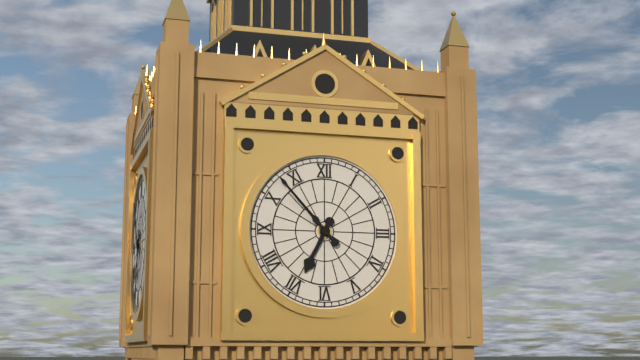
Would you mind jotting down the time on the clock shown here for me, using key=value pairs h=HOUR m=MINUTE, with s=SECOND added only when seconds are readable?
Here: h=6 m=53
